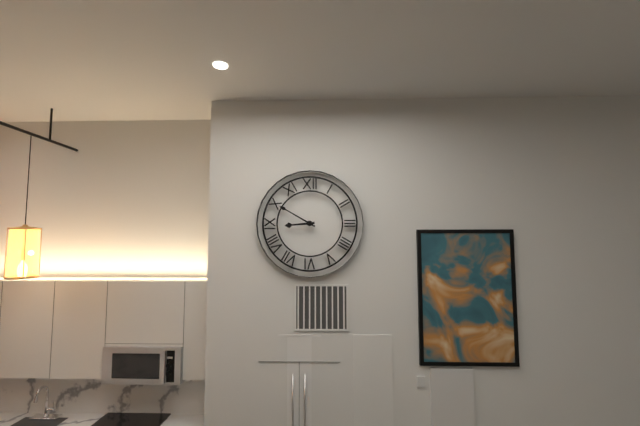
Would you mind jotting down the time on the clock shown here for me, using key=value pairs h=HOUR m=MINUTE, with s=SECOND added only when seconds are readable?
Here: h=8 m=50
